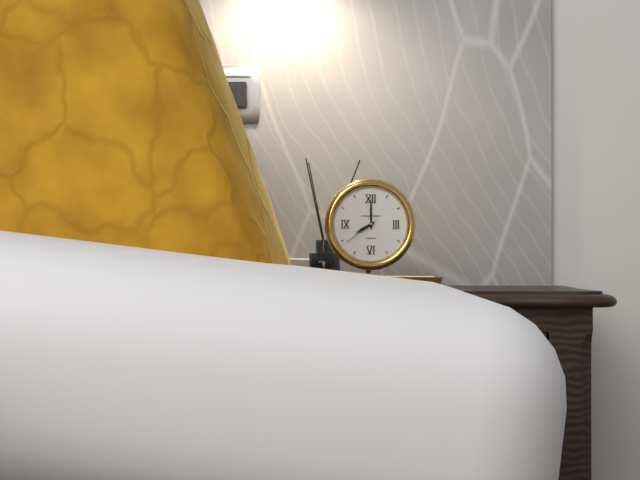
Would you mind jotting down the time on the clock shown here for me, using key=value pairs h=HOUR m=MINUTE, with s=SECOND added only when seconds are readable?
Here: h=8 m=0
